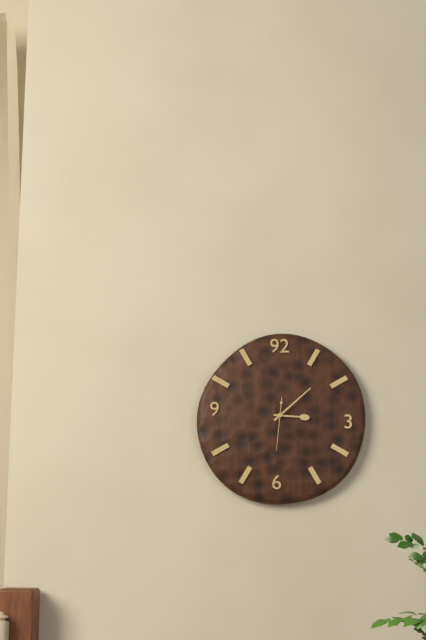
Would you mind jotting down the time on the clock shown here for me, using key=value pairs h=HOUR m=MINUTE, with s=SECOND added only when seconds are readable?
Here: h=3 m=8
